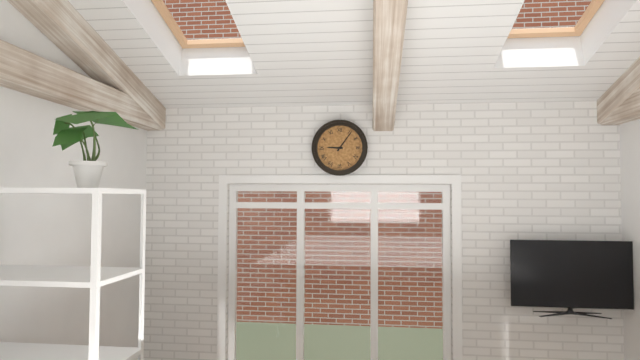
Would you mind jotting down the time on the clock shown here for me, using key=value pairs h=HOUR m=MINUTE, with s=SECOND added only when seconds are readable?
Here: h=9 m=6
